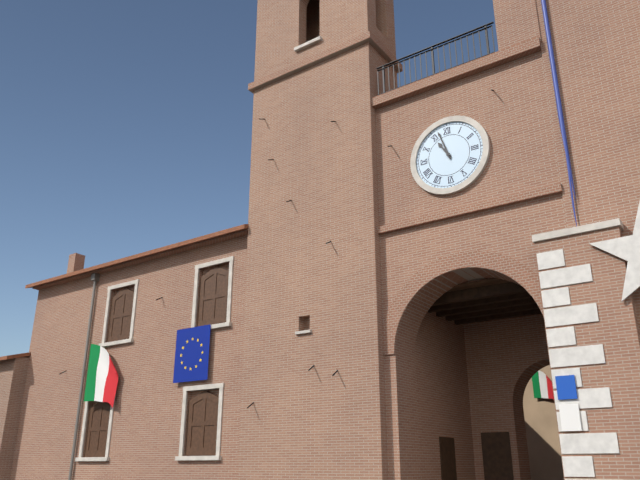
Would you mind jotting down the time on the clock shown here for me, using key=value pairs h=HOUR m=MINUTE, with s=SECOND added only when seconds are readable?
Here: h=10 m=57
